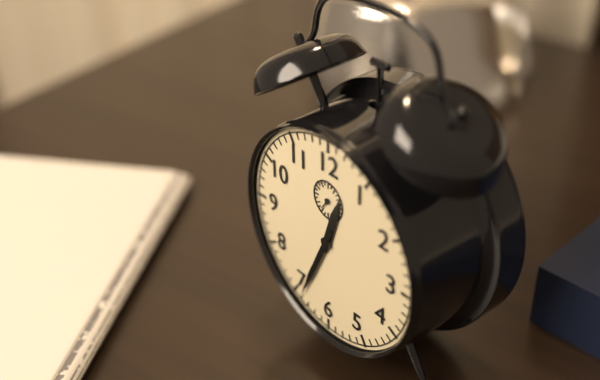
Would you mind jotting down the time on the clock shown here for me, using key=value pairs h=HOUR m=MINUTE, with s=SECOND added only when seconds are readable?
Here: h=12 m=34
